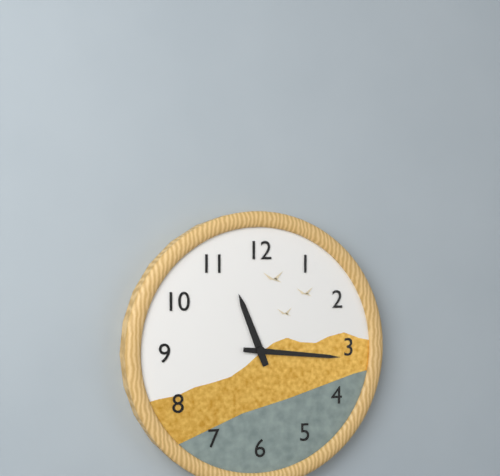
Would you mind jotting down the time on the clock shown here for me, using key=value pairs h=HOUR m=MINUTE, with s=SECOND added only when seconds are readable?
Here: h=11 m=16
